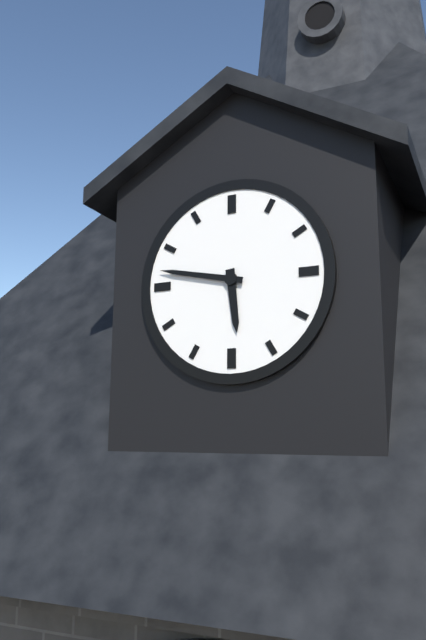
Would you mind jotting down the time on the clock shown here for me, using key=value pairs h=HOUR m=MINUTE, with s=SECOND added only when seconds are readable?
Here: h=5 m=47
